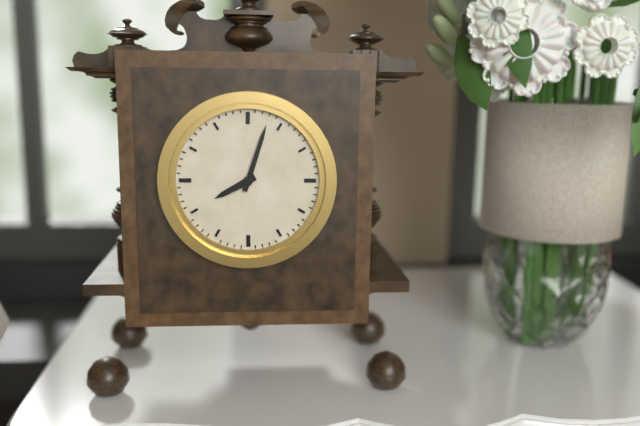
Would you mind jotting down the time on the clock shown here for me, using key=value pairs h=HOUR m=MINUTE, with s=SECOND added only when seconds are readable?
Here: h=8 m=3
